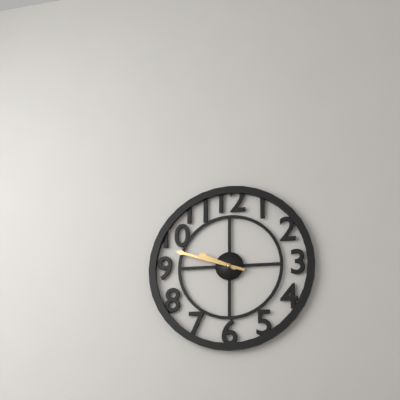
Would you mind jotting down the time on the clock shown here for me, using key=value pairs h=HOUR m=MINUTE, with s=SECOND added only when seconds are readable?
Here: h=9 m=48
